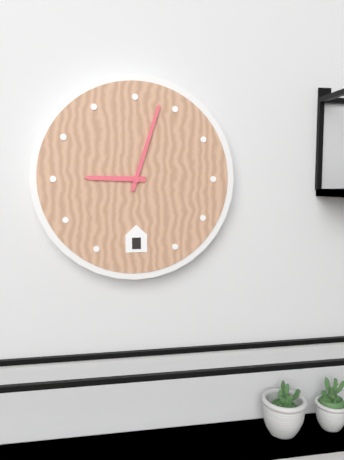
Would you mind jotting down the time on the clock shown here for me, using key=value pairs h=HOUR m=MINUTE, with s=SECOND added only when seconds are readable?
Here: h=9 m=3
